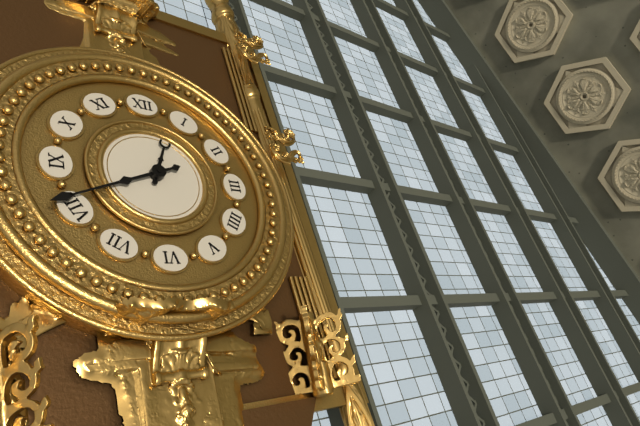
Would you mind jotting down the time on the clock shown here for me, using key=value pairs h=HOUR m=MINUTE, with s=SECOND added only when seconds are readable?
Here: h=12 m=41
